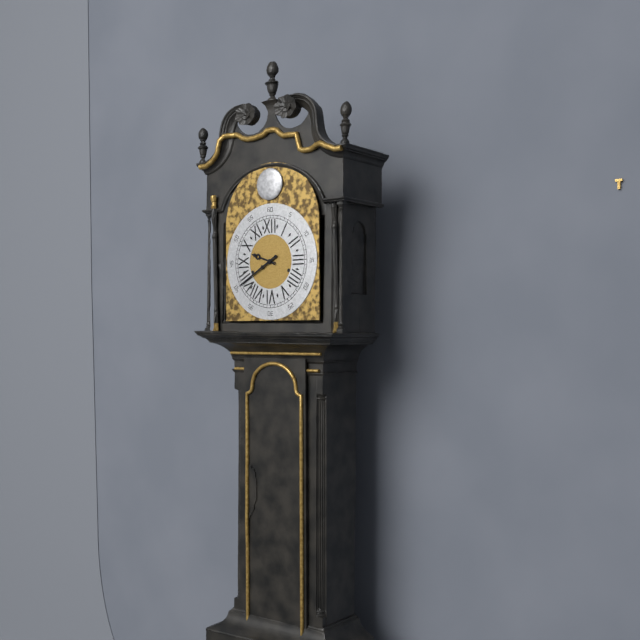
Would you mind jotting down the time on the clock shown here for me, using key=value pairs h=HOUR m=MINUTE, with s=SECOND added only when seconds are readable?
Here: h=9 m=40
